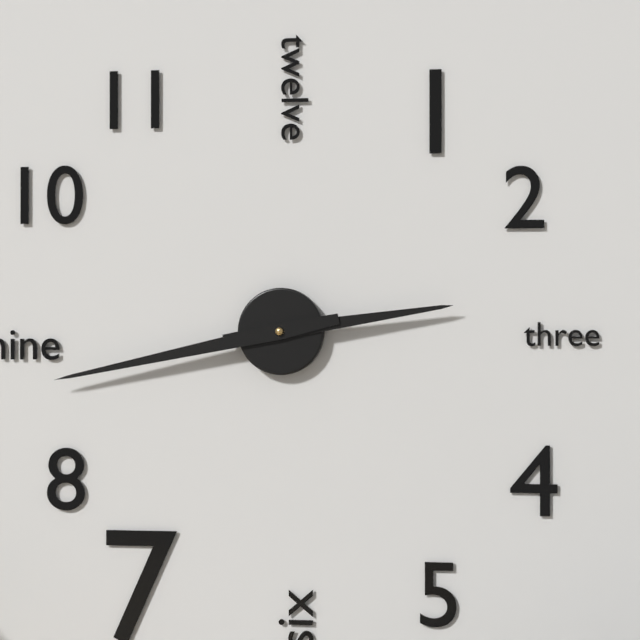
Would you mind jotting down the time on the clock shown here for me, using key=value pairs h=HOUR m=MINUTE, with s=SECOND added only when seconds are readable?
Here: h=2 m=43
